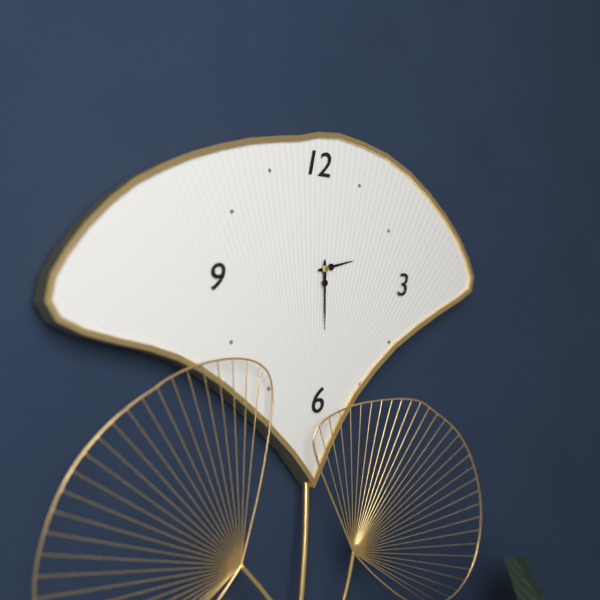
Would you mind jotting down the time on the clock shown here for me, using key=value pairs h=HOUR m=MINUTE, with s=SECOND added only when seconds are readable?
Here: h=2 m=30
